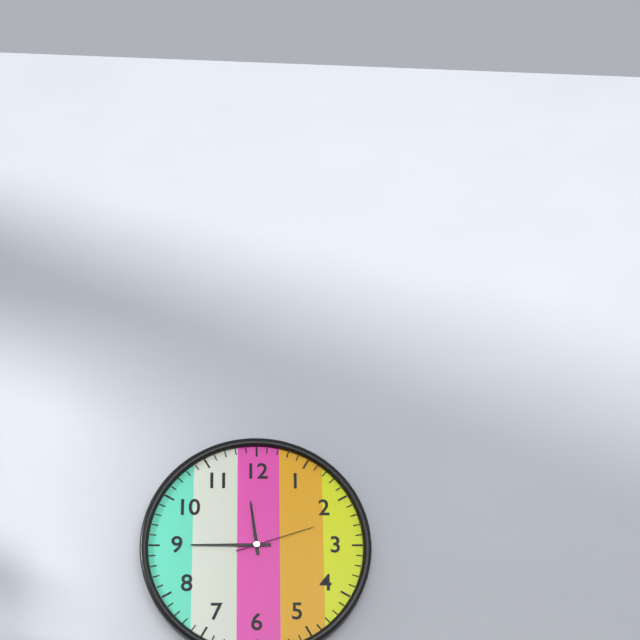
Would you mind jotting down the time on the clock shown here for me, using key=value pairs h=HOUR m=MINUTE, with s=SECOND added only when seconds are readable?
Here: h=11 m=45 s=12
